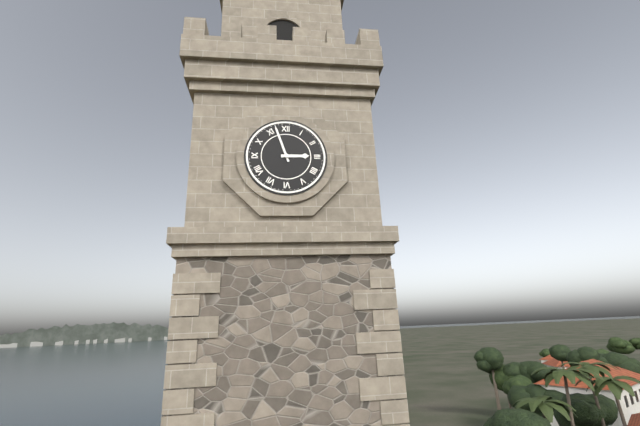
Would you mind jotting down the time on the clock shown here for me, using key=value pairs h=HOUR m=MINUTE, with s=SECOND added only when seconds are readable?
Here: h=2 m=57
